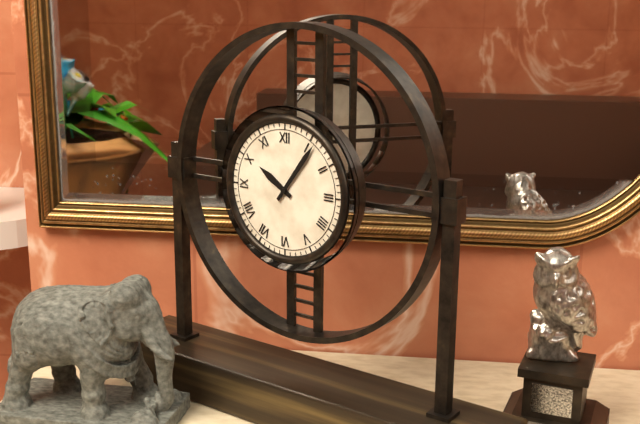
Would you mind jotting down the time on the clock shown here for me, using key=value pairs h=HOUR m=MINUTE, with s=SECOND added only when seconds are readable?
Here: h=10 m=6
